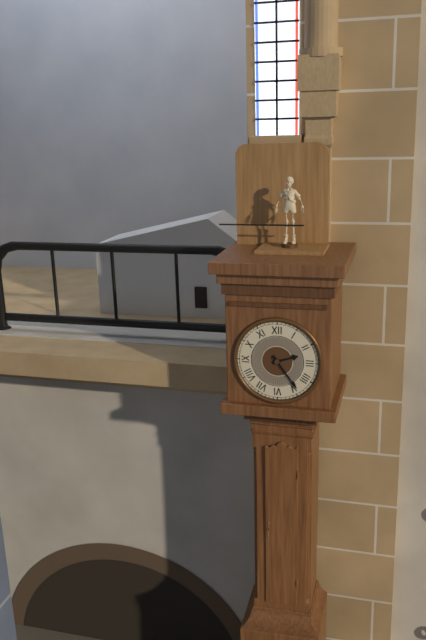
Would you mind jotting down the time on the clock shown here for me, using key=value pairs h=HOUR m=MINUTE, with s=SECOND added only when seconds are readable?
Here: h=2 m=24
